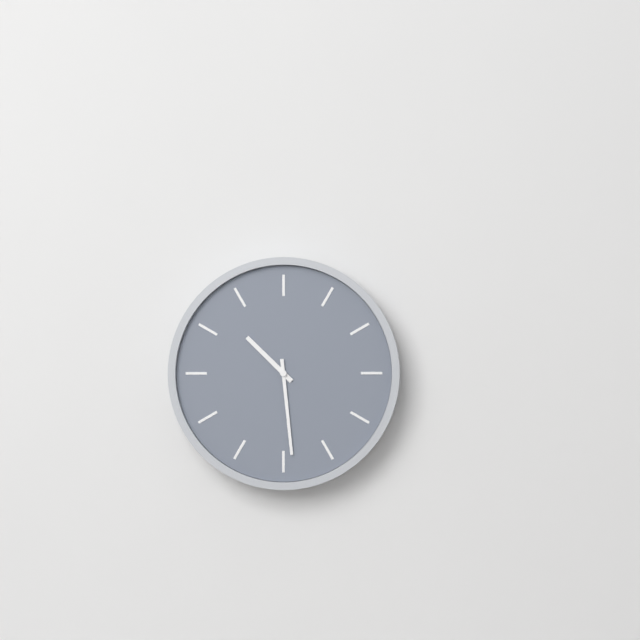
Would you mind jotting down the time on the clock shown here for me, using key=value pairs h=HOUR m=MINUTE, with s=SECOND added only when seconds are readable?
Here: h=10 m=29
